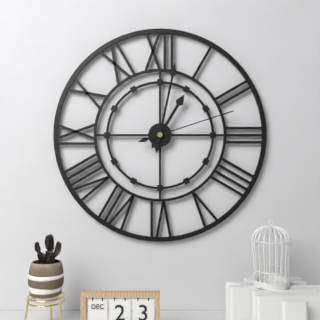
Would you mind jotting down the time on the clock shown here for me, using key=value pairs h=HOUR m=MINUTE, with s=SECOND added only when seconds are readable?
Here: h=1 m=2 s=12
